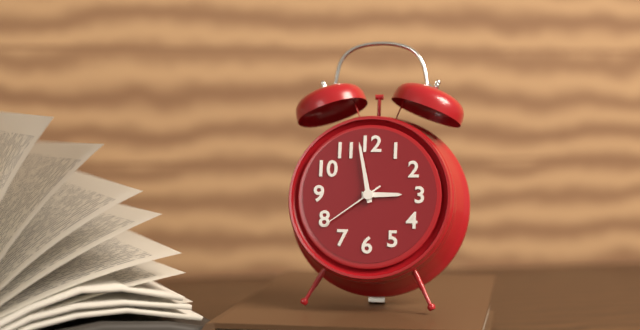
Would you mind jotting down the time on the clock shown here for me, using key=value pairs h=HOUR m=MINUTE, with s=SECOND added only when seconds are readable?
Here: h=2 m=58 s=39
